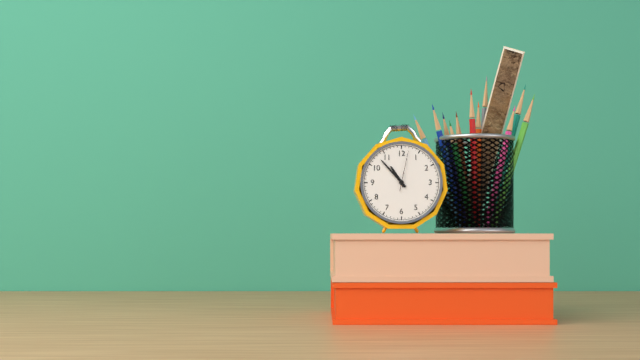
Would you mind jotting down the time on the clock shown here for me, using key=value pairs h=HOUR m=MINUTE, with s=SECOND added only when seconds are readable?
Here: h=10 m=53
